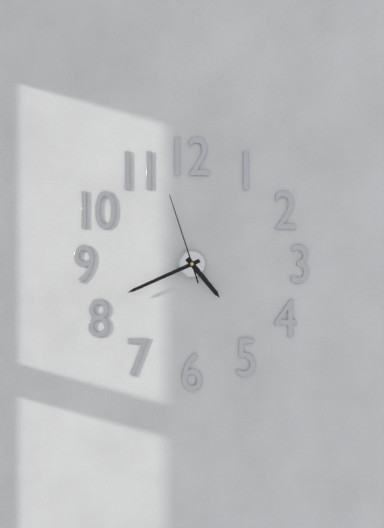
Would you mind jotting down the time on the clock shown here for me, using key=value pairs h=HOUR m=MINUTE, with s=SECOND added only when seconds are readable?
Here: h=4 m=41 s=57
